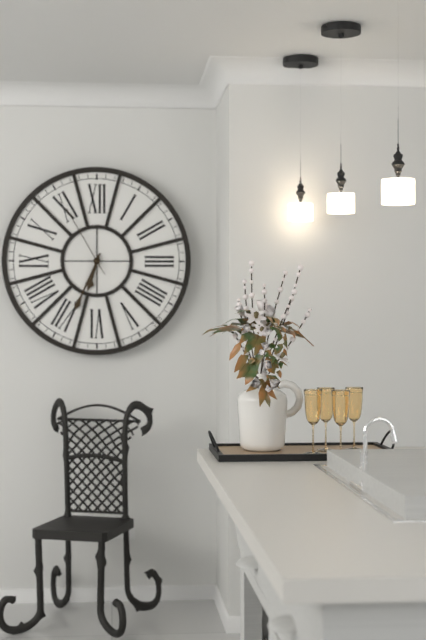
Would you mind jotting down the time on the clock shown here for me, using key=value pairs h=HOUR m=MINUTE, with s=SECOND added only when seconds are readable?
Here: h=6 m=34 s=55
